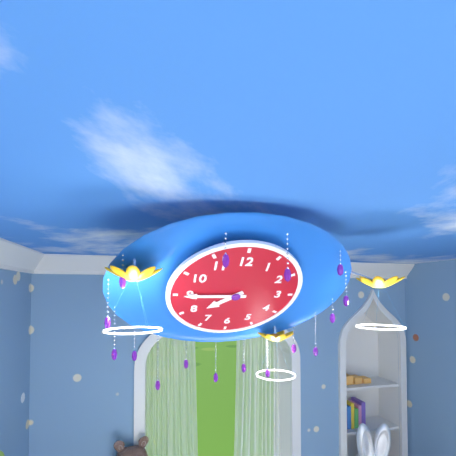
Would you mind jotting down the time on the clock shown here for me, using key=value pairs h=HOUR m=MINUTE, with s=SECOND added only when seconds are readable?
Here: h=7 m=45
